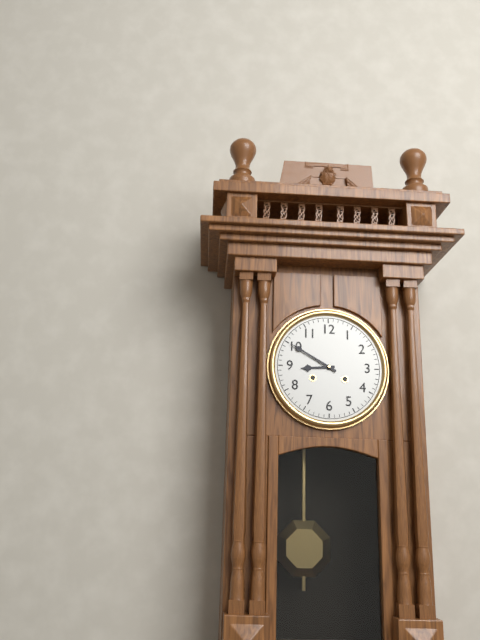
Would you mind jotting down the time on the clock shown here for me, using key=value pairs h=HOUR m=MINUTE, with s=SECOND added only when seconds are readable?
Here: h=8 m=50
